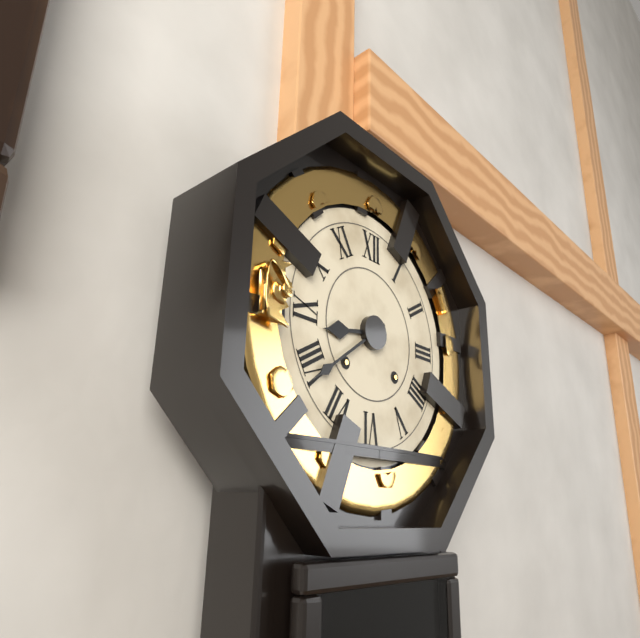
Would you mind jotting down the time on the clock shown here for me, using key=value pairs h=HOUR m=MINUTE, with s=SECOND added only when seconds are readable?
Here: h=8 m=39
